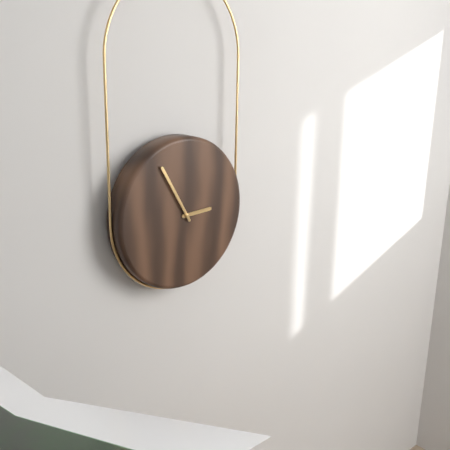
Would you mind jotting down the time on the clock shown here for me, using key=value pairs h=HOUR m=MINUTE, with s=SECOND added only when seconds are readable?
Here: h=2 m=55
